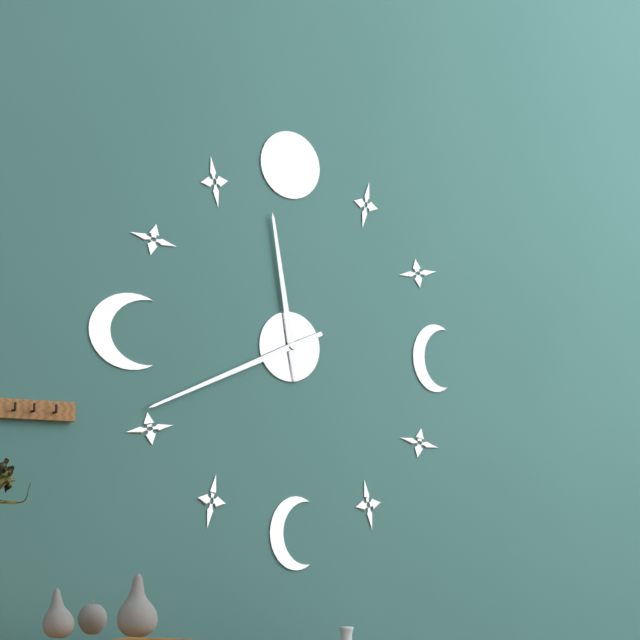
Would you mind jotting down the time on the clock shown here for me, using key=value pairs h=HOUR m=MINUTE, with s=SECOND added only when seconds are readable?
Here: h=11 m=41
